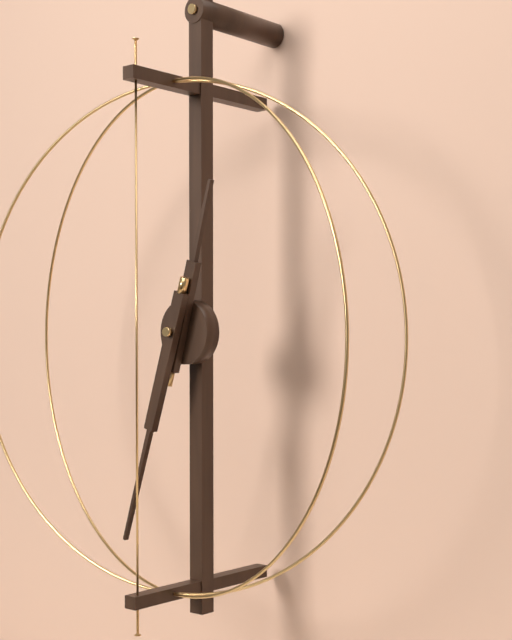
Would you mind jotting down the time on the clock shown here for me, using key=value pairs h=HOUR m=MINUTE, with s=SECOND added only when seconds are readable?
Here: h=12 m=33
